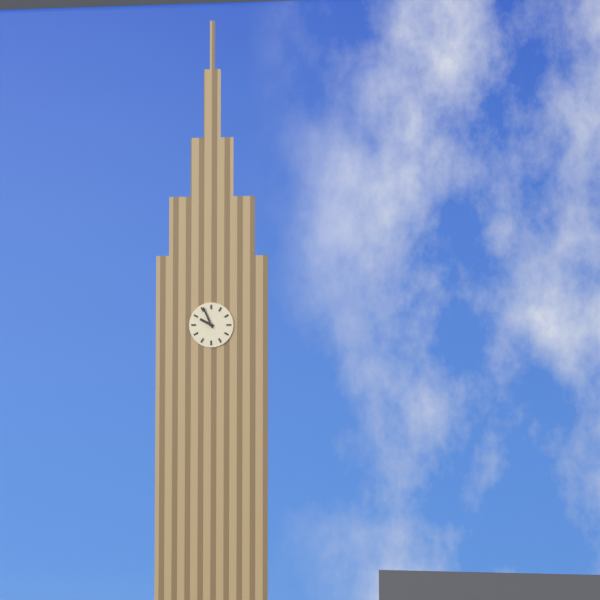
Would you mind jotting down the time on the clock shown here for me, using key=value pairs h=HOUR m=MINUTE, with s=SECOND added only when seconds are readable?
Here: h=9 m=56
